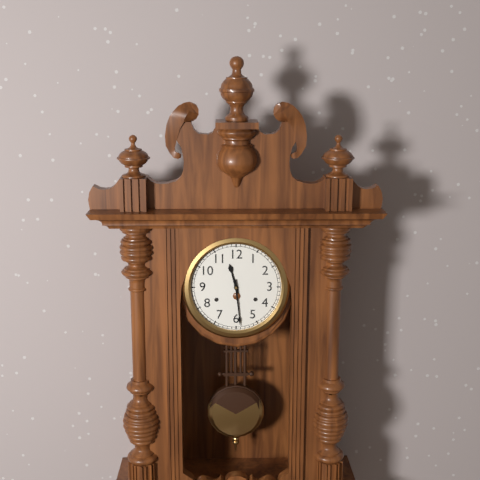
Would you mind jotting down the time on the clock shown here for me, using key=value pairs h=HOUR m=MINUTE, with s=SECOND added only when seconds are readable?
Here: h=11 m=29
